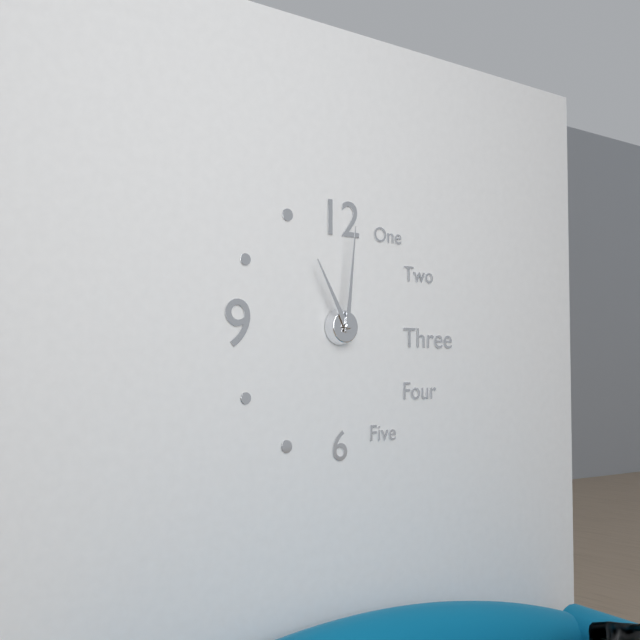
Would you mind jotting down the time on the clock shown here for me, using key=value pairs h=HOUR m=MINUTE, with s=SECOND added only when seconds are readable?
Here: h=11 m=1
